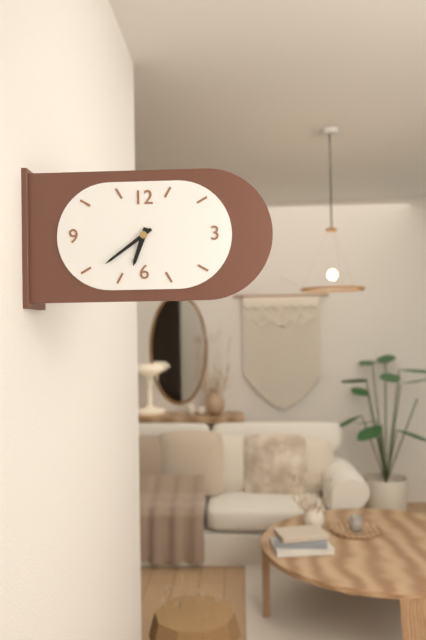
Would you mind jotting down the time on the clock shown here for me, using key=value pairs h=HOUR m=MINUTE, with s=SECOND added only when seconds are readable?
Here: h=6 m=39
